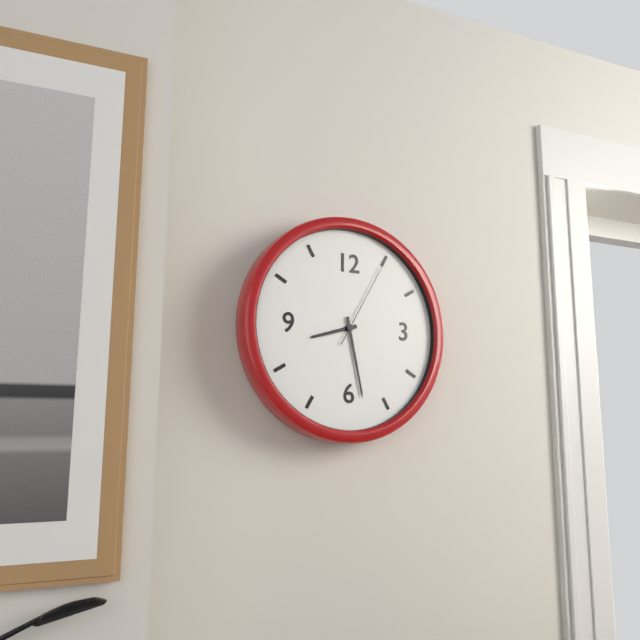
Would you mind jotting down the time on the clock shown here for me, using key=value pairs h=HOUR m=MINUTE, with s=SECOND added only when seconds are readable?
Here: h=8 m=28 s=5
